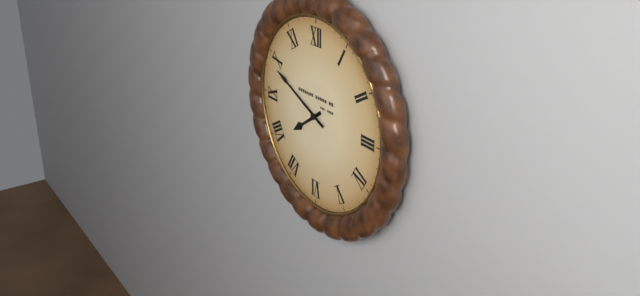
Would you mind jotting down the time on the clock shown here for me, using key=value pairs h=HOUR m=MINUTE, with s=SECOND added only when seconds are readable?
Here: h=7 m=49
